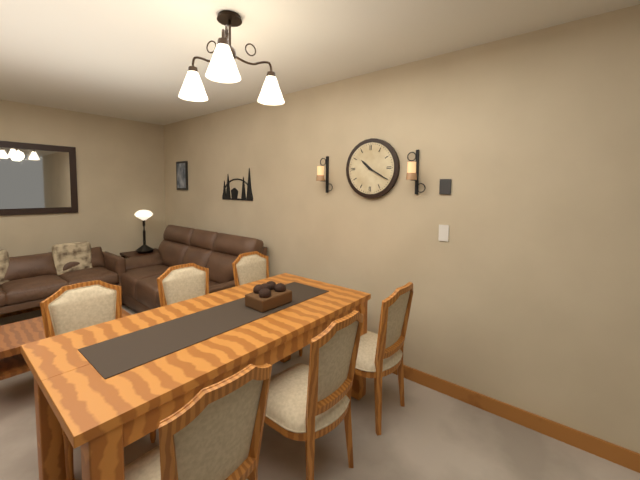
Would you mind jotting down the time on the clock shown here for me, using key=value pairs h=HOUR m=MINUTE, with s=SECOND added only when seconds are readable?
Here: h=10 m=20
